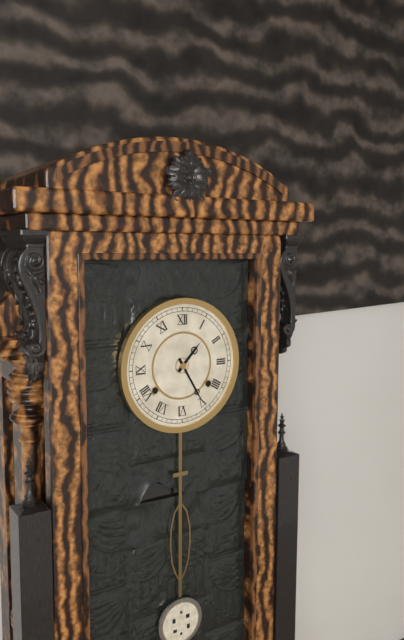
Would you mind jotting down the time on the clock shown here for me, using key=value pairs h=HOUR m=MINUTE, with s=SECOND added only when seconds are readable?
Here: h=1 m=25
